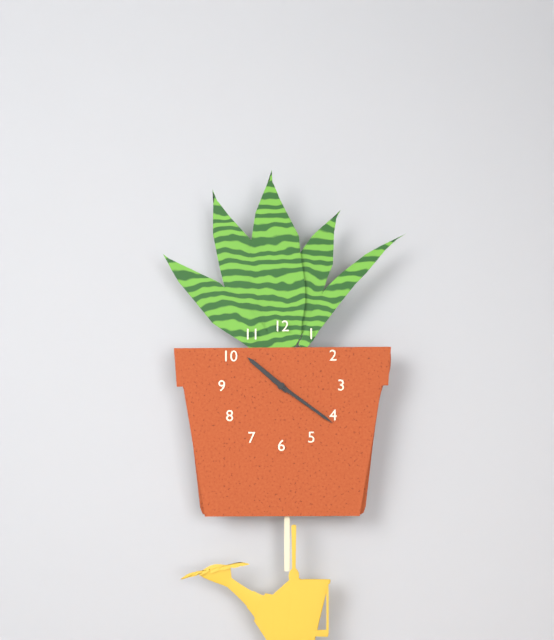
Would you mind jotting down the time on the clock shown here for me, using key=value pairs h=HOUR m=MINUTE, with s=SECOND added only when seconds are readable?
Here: h=10 m=21
